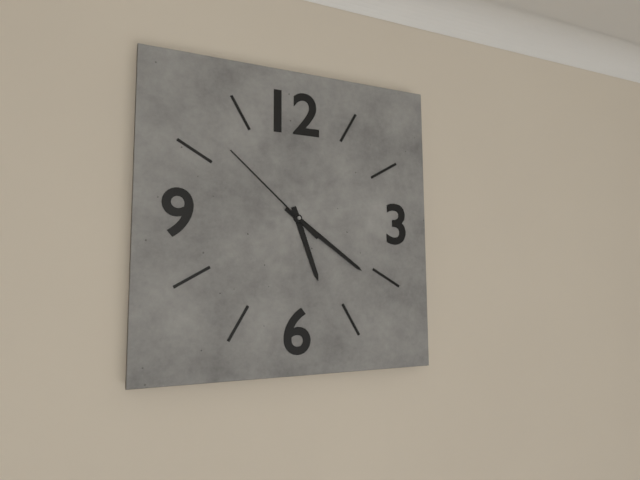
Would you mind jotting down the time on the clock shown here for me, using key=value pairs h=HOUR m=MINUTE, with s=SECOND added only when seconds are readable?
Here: h=5 m=21 s=52
